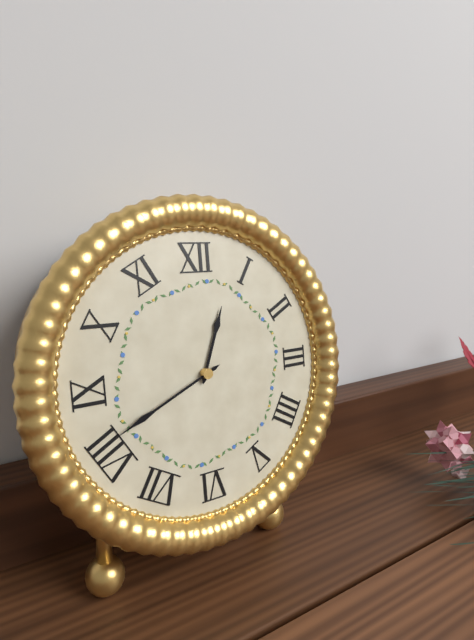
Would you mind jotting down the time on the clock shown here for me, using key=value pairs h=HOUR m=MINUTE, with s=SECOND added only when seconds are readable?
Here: h=12 m=41
